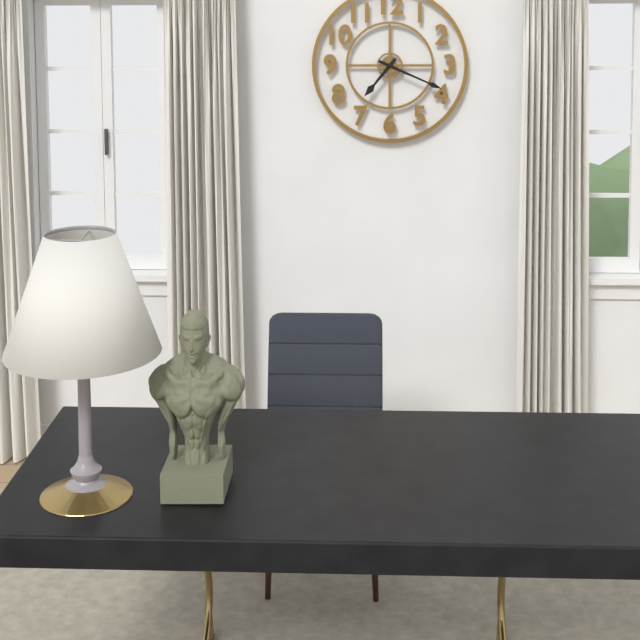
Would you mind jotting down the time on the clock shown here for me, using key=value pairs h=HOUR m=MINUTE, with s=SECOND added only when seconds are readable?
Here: h=7 m=19
